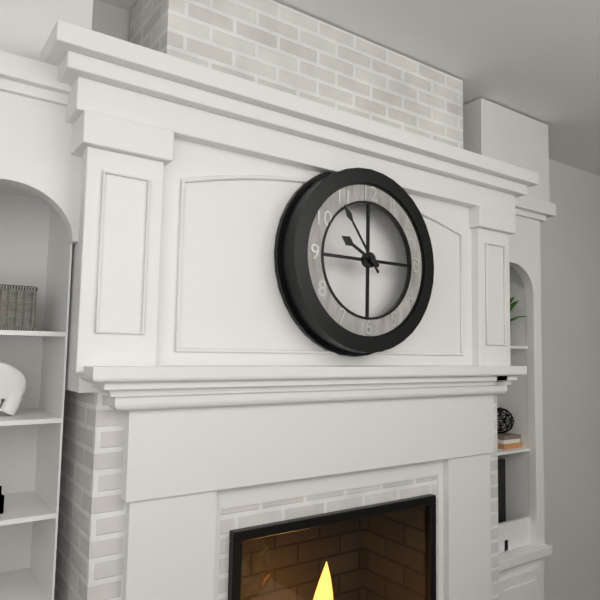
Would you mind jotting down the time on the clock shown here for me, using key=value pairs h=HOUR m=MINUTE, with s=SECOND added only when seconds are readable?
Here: h=9 m=54
